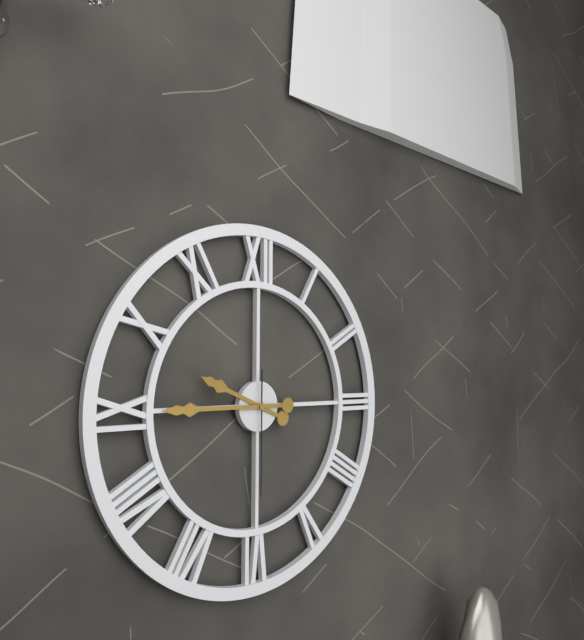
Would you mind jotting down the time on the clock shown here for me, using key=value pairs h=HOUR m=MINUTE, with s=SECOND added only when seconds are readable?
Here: h=9 m=45 s=30
